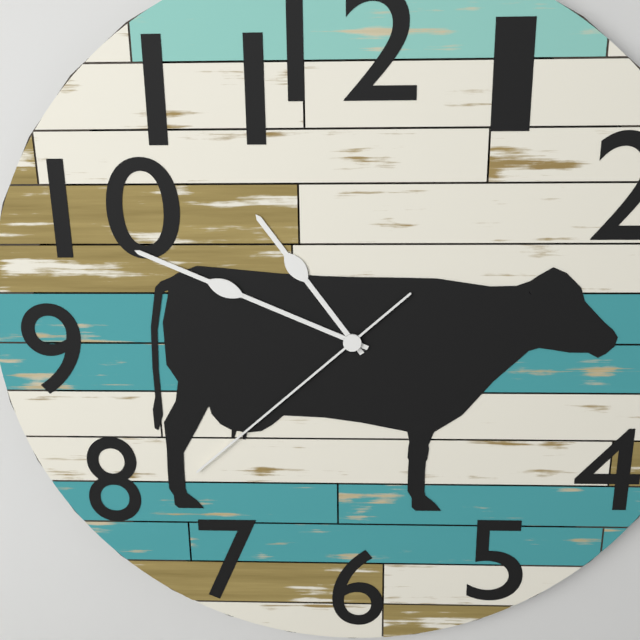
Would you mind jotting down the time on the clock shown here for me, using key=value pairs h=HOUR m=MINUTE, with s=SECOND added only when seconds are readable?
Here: h=10 m=49 s=38
